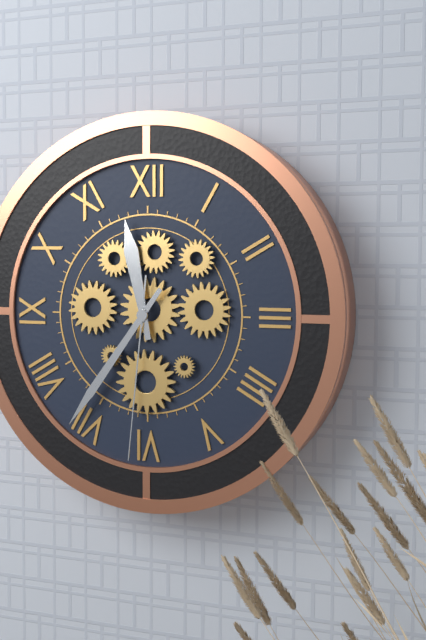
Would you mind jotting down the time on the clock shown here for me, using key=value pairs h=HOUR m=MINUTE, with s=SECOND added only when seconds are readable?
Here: h=11 m=36 s=31
